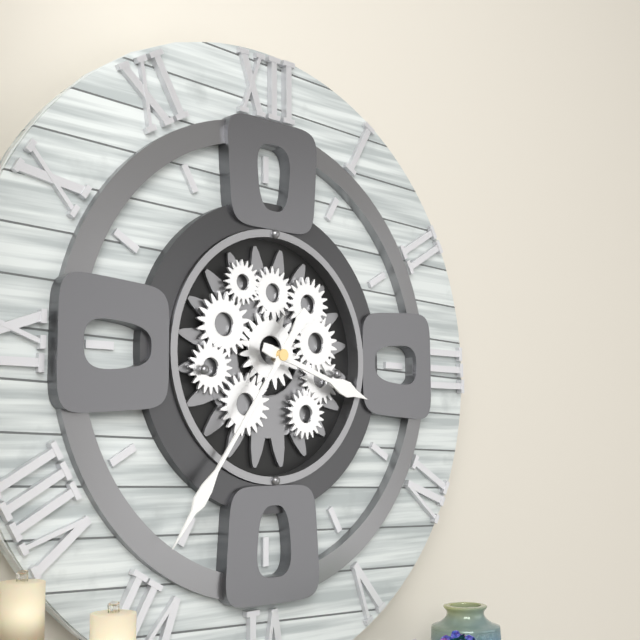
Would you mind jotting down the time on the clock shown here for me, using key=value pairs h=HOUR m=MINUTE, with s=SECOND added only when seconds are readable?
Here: h=3 m=36
